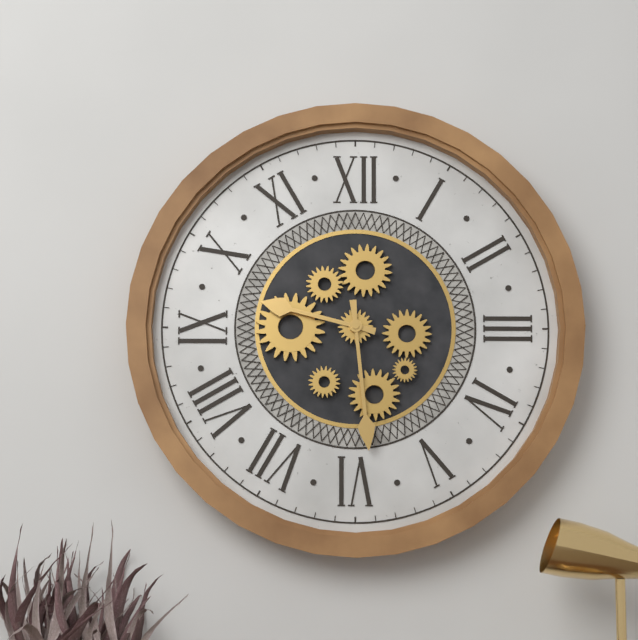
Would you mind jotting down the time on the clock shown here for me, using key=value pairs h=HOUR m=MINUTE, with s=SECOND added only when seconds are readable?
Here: h=9 m=29
